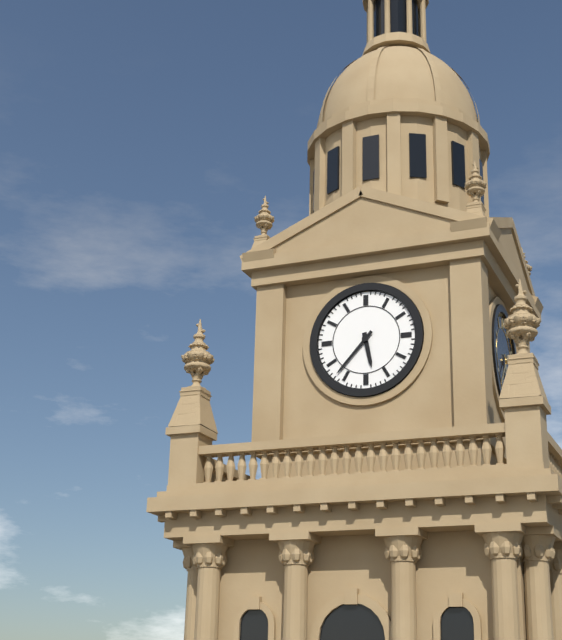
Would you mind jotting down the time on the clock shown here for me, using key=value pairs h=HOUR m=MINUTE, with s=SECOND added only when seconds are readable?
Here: h=5 m=37
